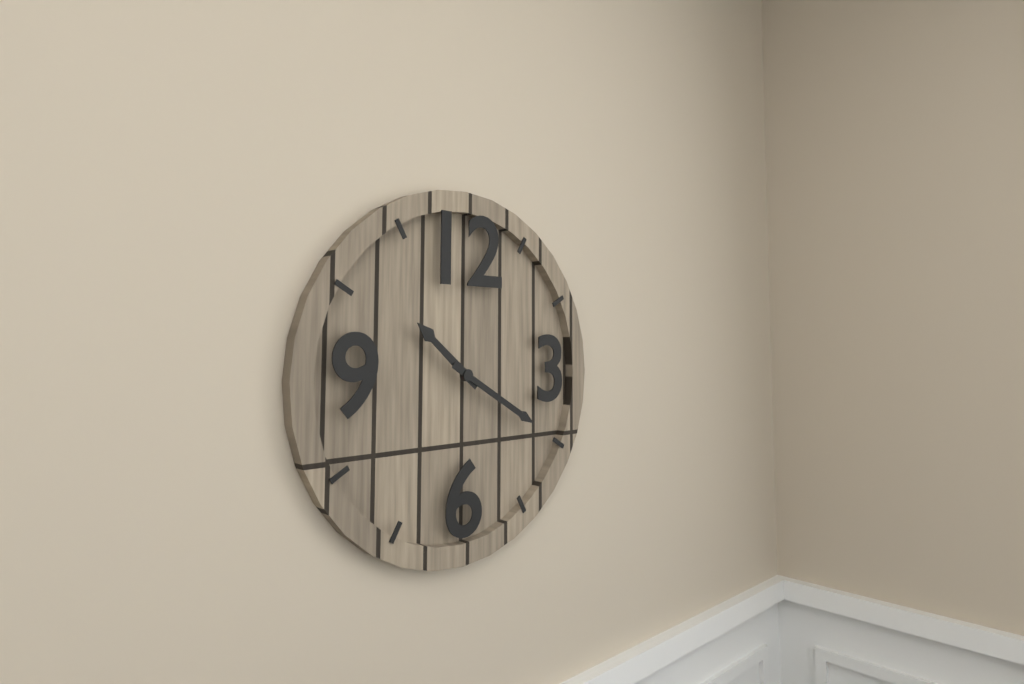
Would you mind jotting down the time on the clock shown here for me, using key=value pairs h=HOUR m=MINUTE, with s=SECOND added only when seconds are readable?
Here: h=10 m=20
